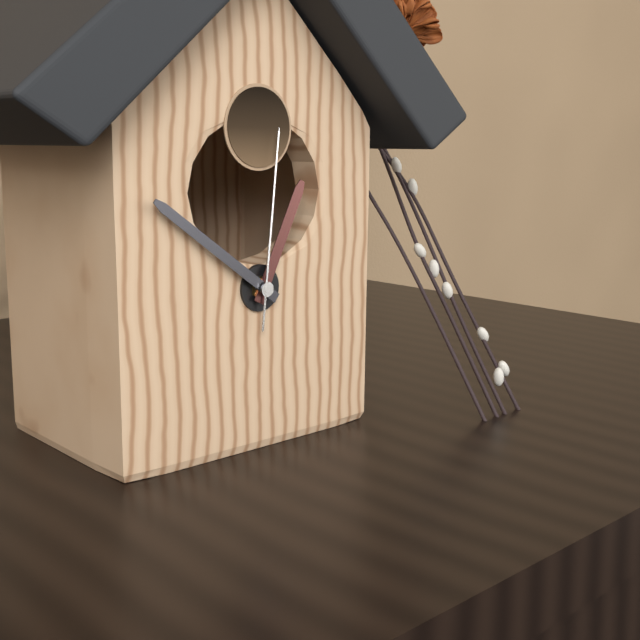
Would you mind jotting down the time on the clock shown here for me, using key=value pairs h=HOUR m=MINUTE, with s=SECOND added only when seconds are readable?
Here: h=12 m=51 s=1
